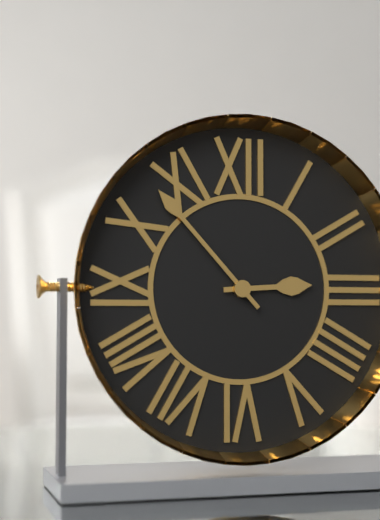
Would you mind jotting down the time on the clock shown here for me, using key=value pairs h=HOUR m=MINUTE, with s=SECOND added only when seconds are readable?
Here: h=2 m=53
